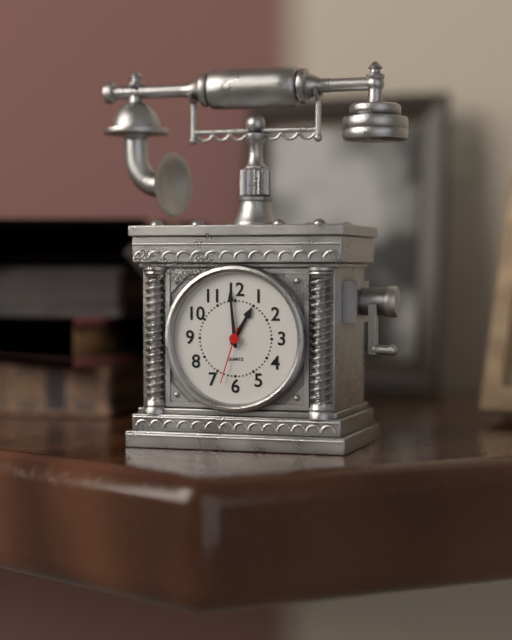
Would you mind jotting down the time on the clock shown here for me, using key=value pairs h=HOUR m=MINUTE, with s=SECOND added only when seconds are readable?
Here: h=12 m=59 s=33
